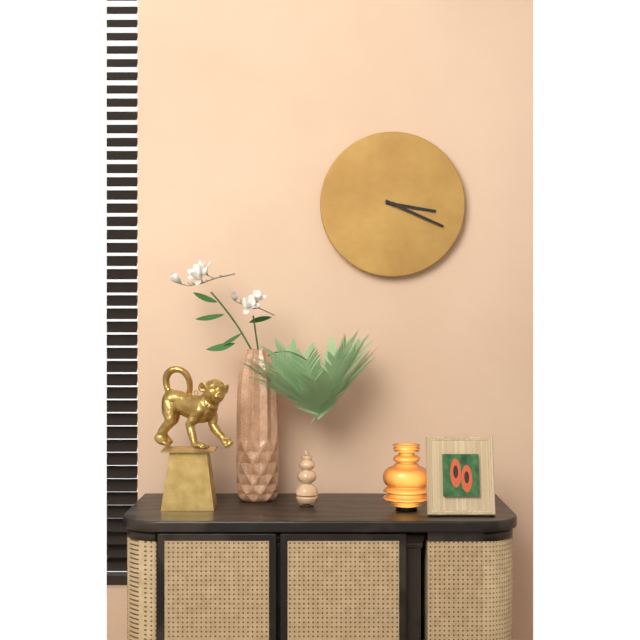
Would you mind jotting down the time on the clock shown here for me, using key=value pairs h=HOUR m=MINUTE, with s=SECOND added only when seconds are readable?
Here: h=3 m=19
